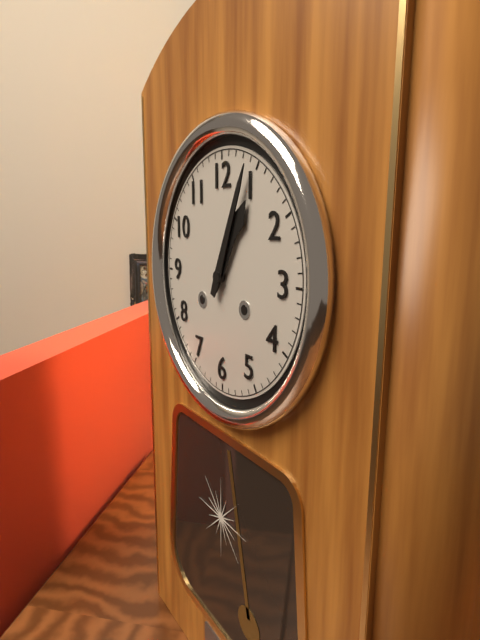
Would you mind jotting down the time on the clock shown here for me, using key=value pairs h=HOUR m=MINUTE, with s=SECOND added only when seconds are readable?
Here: h=1 m=4
